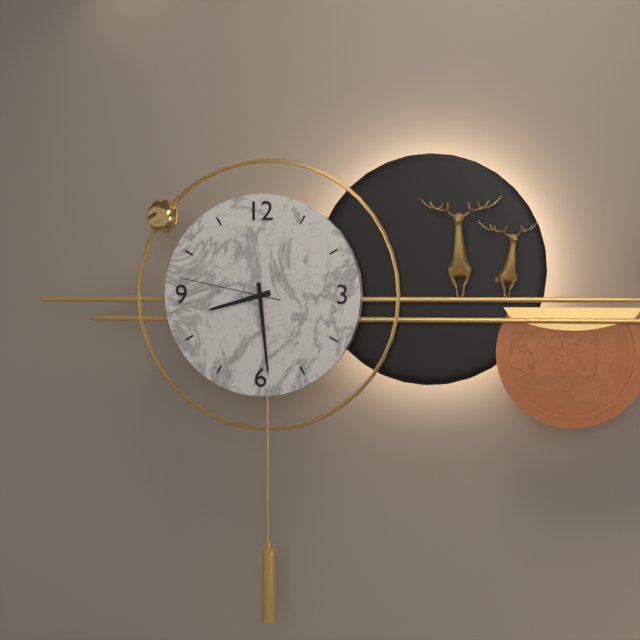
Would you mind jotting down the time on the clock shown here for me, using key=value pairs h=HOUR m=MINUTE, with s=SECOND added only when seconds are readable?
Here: h=8 m=29 s=47
